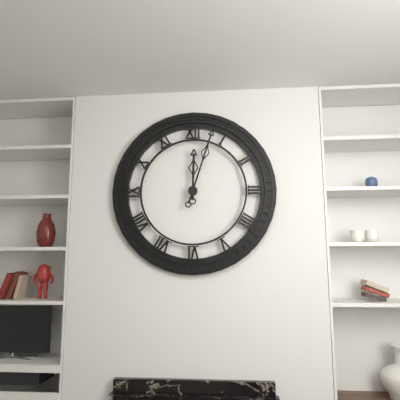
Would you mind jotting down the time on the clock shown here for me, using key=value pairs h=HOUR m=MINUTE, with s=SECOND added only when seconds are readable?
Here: h=12 m=3
